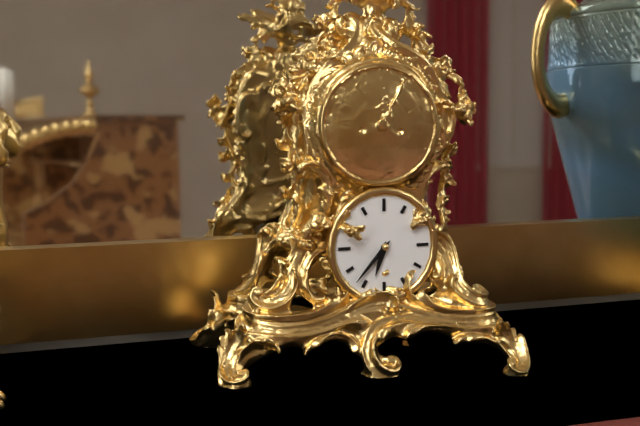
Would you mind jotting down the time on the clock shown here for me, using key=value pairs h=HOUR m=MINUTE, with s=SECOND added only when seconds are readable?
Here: h=6 m=37
